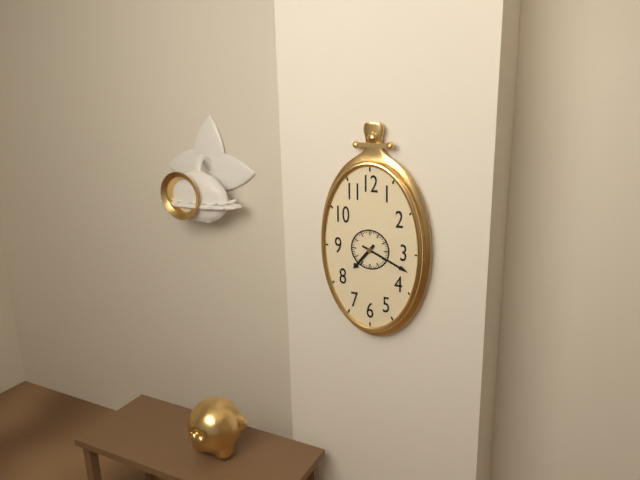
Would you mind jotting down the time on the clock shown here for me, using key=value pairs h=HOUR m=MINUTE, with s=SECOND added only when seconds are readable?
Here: h=7 m=19
